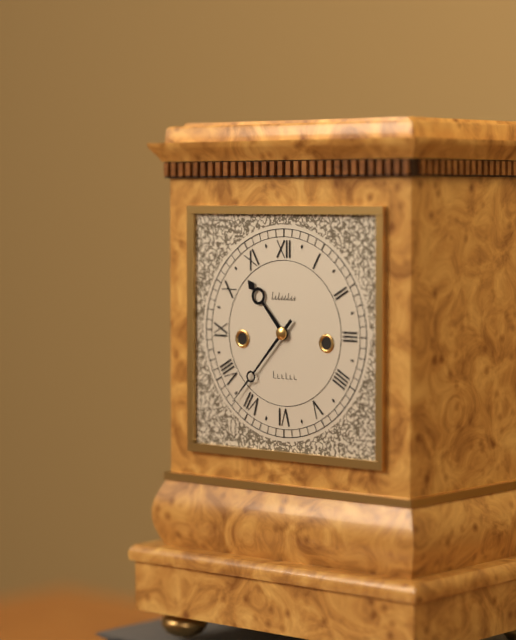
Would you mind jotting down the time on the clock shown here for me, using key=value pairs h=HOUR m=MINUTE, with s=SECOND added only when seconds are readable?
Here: h=10 m=37
